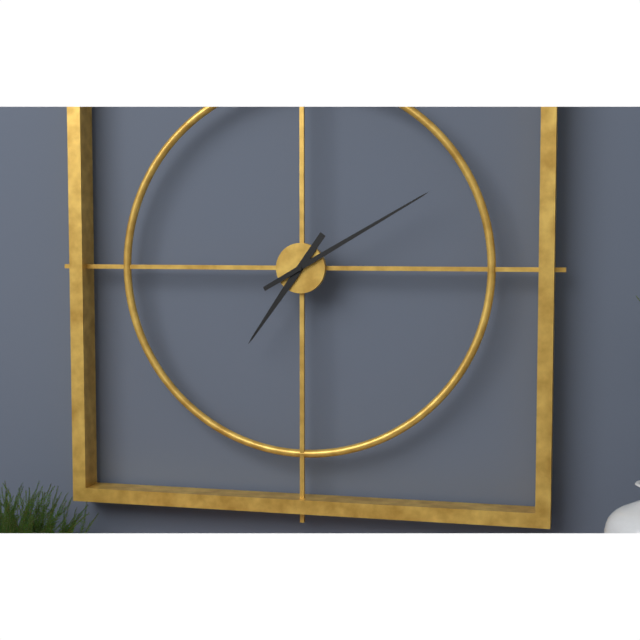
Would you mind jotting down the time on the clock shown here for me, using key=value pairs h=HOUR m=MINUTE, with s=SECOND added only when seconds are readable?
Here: h=7 m=10
